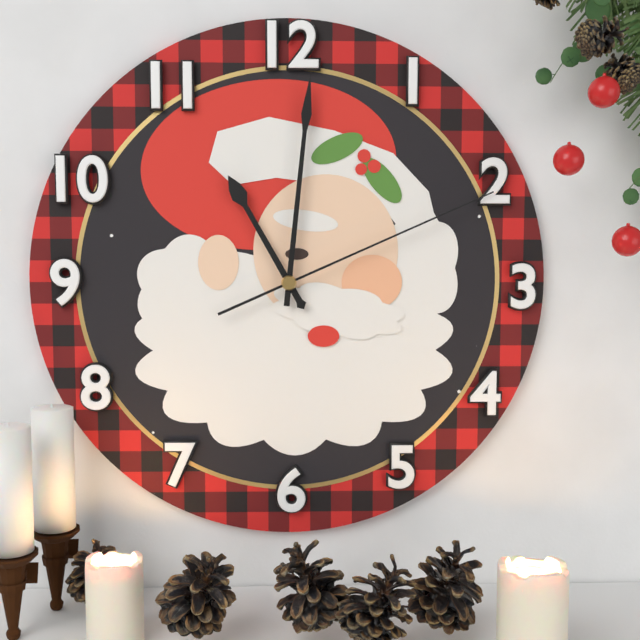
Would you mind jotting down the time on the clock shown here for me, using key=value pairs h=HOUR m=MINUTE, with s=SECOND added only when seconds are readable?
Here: h=11 m=1 s=11
